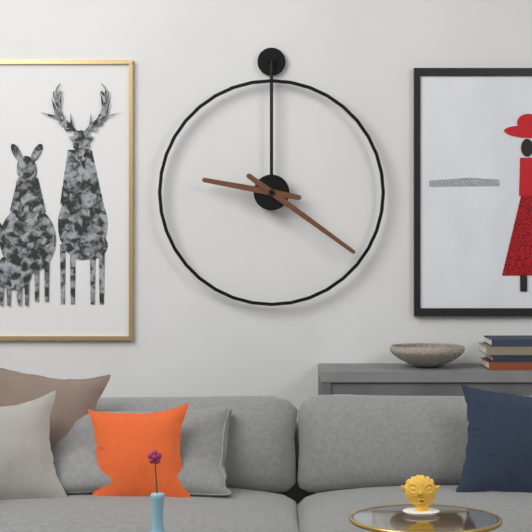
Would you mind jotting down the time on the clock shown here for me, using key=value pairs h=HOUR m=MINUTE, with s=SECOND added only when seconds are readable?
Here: h=9 m=21
